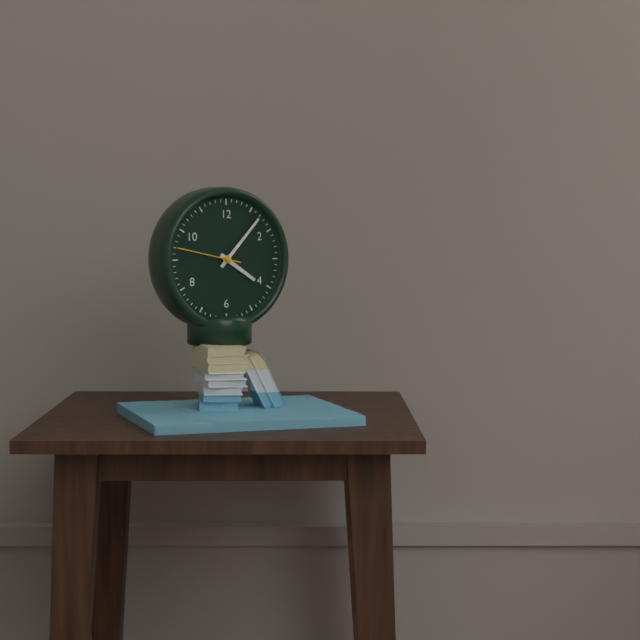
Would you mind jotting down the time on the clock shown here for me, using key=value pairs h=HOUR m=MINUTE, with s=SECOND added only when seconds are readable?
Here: h=4 m=7 s=47
